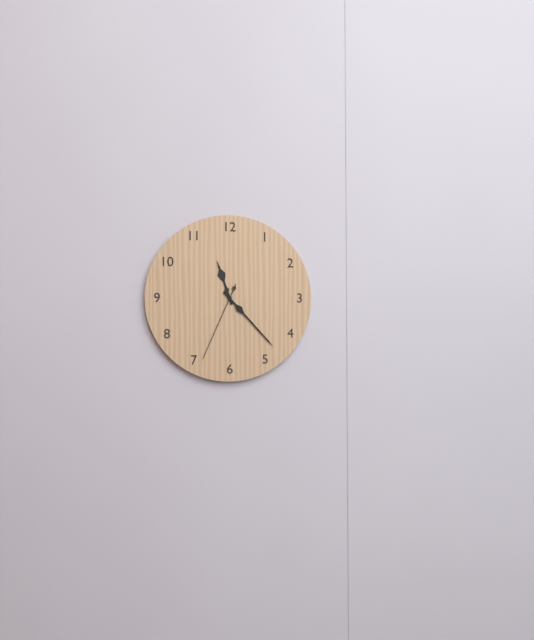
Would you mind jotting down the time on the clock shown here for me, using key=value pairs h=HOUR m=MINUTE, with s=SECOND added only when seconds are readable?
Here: h=11 m=23 s=34
